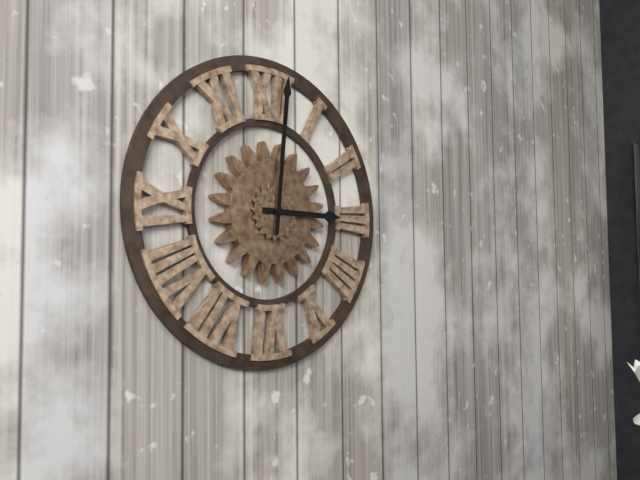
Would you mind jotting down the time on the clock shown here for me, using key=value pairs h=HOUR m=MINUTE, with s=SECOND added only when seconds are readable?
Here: h=3 m=1
